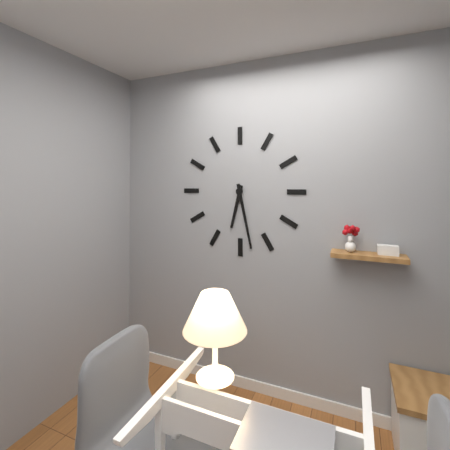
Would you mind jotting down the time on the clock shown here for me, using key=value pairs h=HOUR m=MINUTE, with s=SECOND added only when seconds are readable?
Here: h=6 m=28
